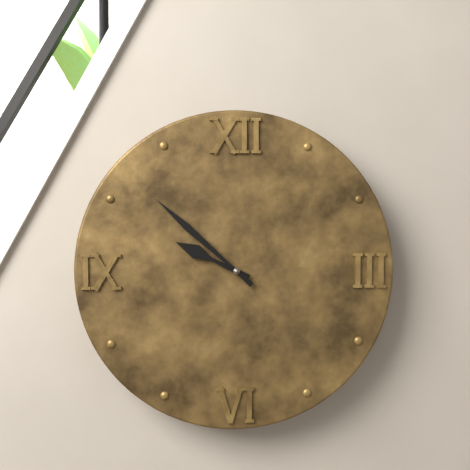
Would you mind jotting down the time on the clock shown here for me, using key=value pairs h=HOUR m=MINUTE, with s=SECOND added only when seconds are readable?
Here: h=9 m=52
